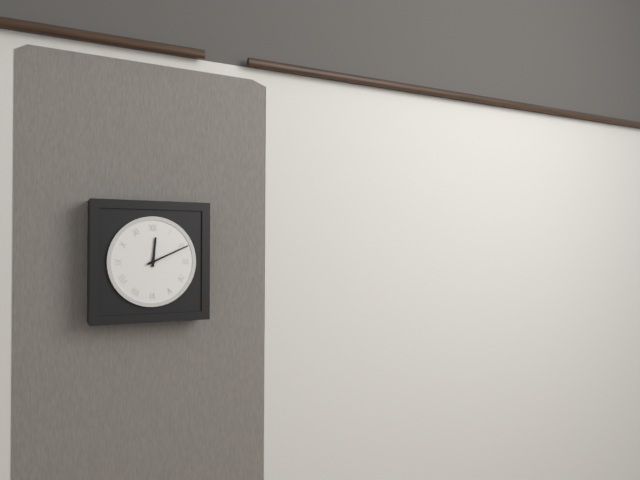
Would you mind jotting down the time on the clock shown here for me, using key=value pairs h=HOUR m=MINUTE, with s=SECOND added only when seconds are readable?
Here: h=12 m=11
